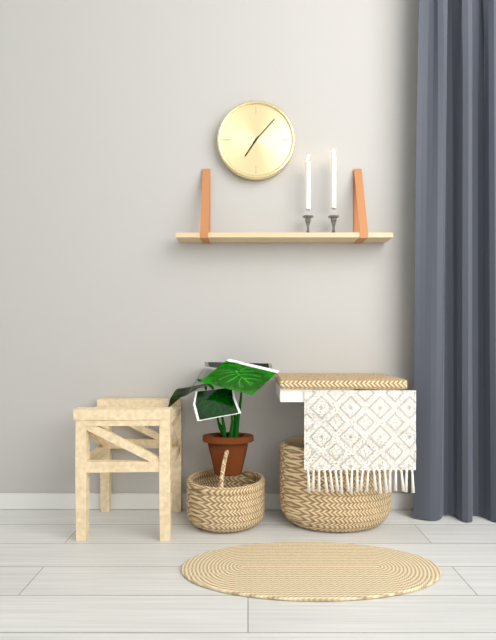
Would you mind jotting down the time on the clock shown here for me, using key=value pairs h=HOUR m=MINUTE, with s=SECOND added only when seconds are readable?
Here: h=7 m=7
